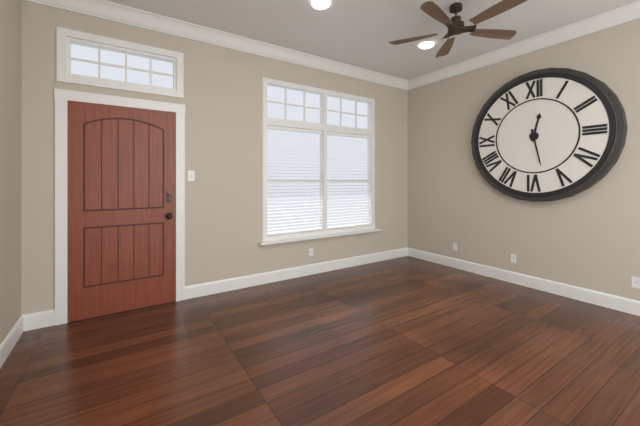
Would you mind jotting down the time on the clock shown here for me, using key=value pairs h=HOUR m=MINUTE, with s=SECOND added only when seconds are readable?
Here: h=12 m=28
